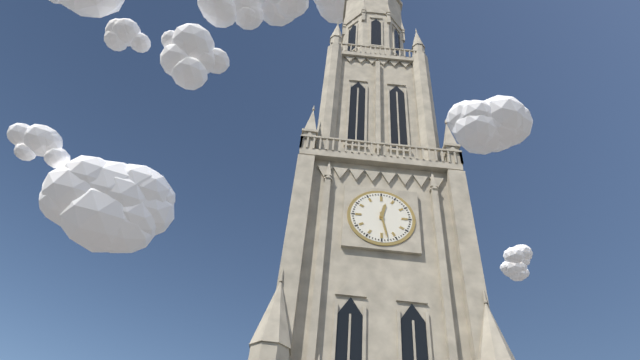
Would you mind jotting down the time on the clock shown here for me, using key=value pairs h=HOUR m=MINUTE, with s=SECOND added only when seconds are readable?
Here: h=12 m=28
